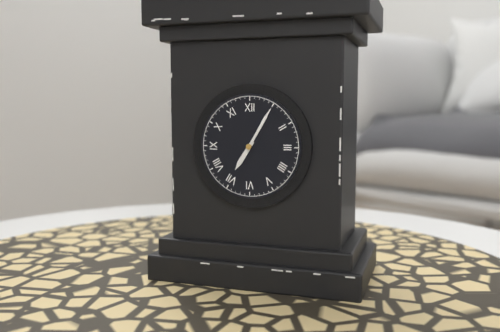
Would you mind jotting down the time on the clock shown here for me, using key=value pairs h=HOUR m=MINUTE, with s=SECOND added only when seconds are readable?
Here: h=7 m=5
